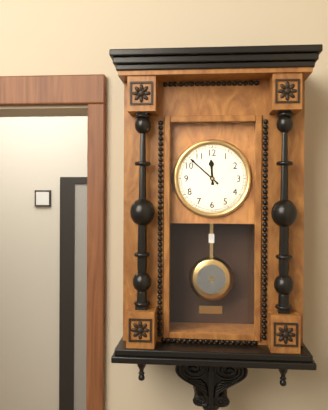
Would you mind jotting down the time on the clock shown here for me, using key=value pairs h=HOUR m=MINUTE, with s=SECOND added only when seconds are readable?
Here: h=11 m=52
